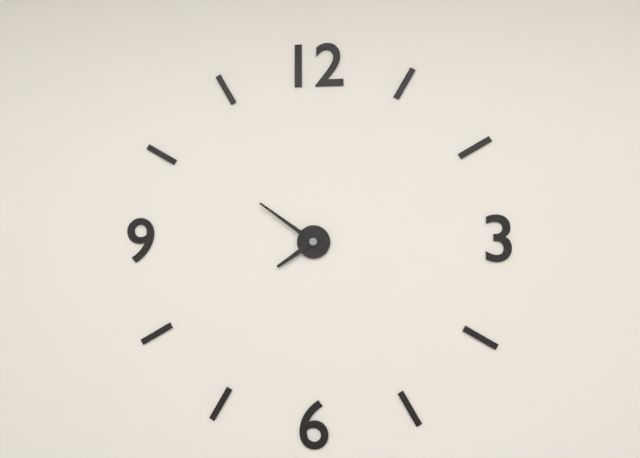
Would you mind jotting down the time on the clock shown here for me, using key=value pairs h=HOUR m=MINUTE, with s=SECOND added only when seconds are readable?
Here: h=7 m=51
